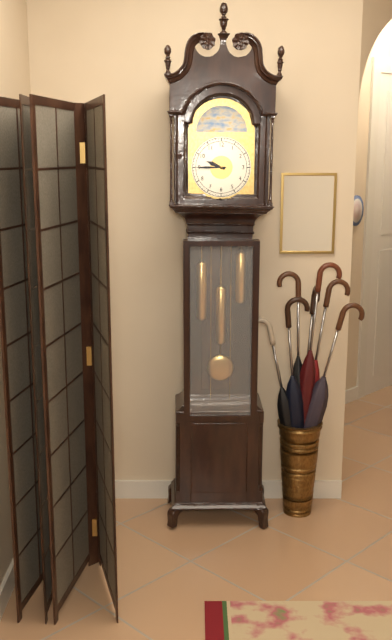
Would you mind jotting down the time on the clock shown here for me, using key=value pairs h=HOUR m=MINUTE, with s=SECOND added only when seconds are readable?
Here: h=9 m=45
